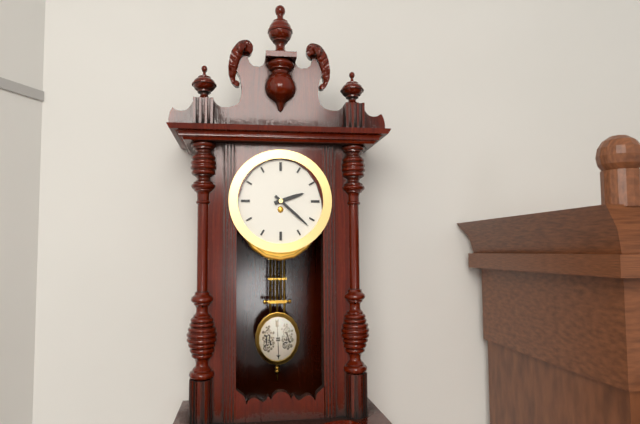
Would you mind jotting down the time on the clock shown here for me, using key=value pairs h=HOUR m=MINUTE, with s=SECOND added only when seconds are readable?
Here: h=2 m=22
